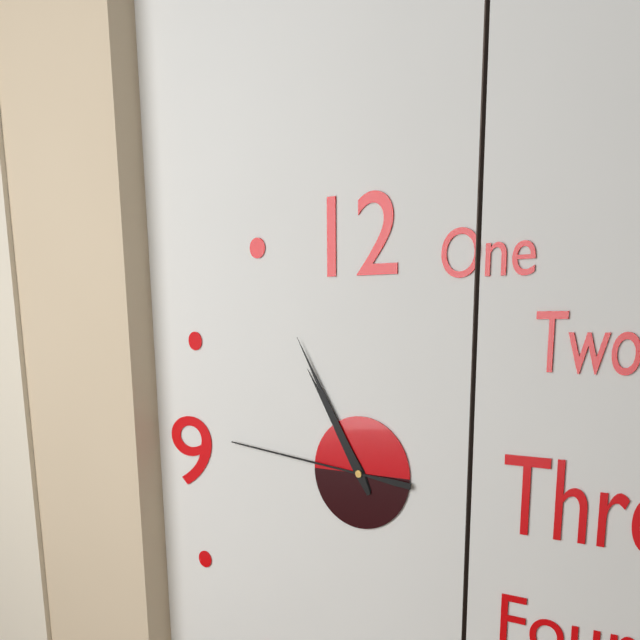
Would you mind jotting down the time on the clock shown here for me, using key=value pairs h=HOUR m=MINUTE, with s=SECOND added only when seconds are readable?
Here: h=10 m=55 s=46
